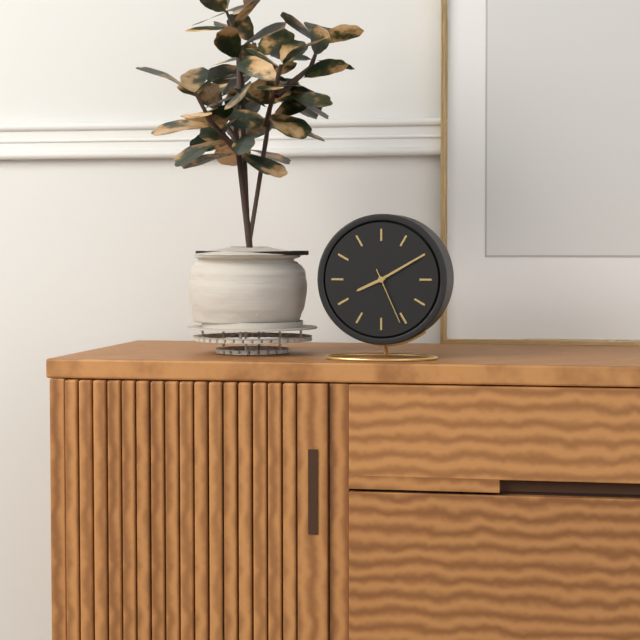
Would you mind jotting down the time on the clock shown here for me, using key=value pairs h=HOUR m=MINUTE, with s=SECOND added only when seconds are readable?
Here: h=8 m=10 s=26
